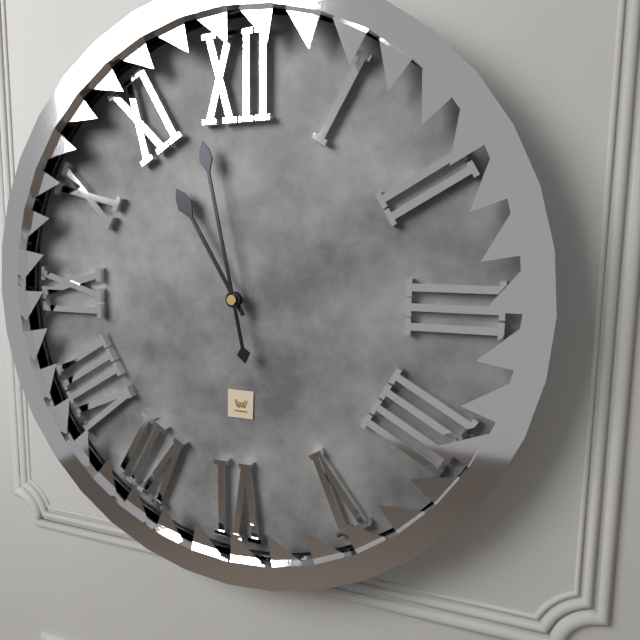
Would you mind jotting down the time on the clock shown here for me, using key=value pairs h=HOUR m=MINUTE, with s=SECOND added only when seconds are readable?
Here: h=10 m=58
